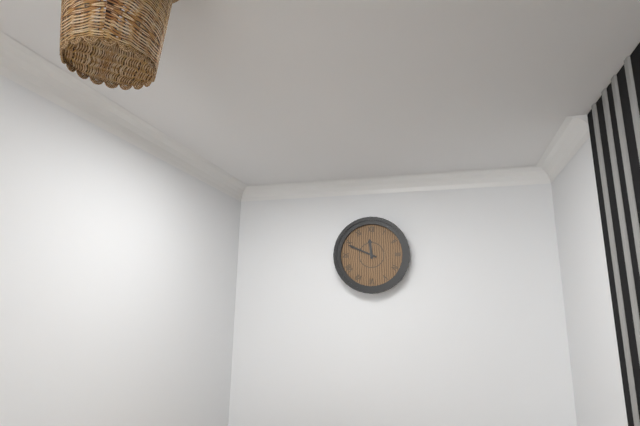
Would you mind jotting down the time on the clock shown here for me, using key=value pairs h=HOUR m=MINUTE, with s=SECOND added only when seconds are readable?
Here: h=11 m=49
